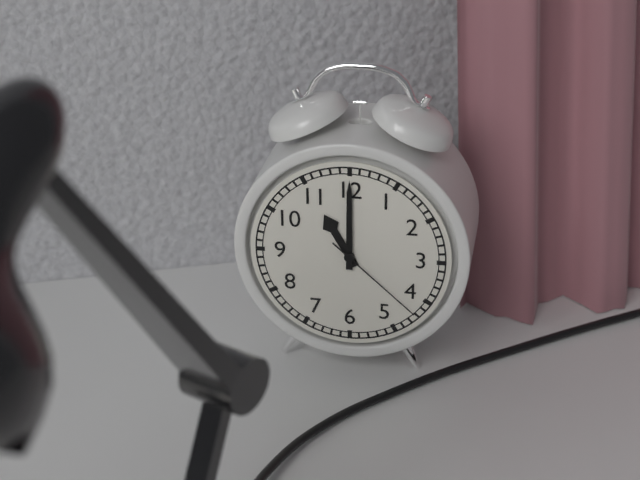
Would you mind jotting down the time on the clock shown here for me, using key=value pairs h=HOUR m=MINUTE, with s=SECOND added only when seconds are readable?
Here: h=11 m=0 s=22
